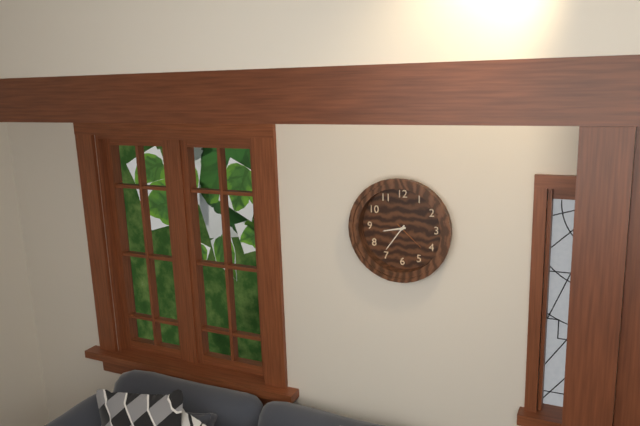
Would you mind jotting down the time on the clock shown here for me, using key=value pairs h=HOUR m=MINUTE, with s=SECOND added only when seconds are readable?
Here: h=8 m=36
